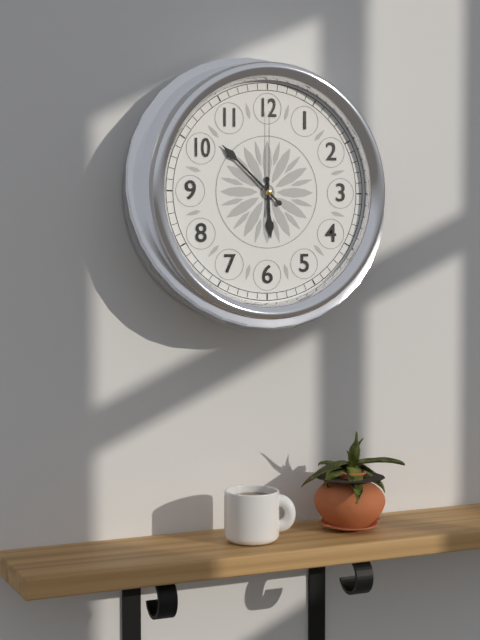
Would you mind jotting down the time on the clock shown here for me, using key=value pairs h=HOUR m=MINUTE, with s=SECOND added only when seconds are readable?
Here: h=5 m=52 s=0
